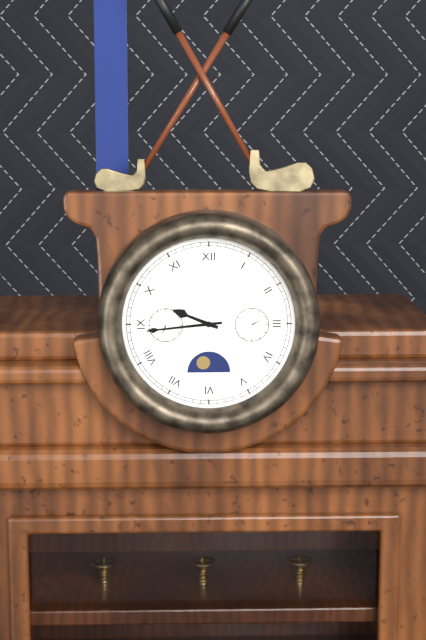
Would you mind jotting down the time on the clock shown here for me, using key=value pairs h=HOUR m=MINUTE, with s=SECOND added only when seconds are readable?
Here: h=9 m=44
